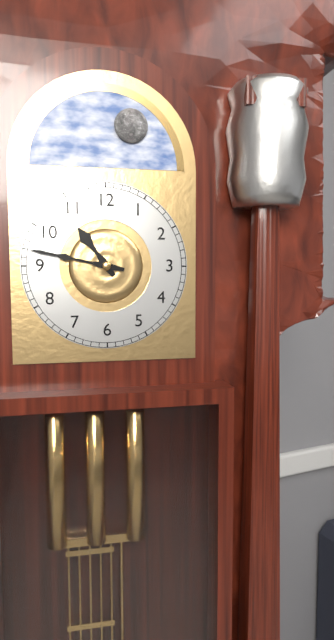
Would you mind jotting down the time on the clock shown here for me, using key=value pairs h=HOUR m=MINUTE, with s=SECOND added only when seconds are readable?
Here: h=10 m=47
